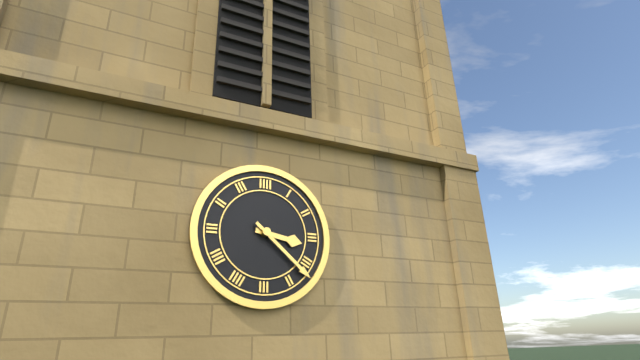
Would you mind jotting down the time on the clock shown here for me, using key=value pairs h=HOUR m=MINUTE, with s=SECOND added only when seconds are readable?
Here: h=3 m=22
